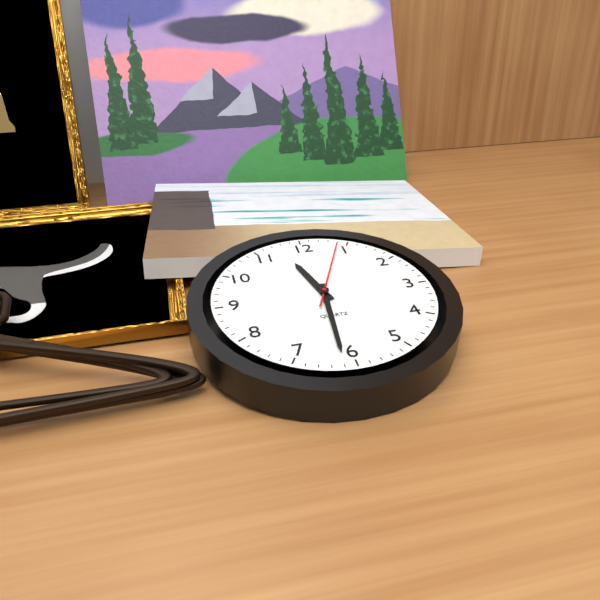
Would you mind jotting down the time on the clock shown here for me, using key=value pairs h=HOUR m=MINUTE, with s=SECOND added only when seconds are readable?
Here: h=11 m=31 s=4
